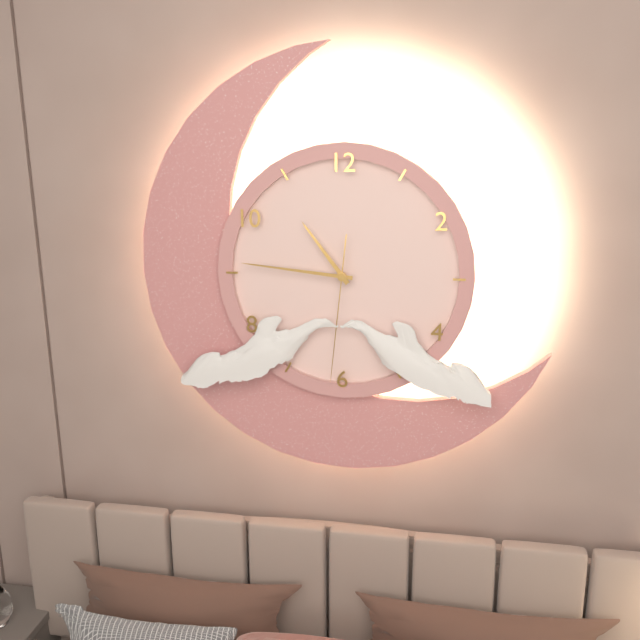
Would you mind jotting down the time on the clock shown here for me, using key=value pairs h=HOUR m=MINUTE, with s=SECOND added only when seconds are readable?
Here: h=10 m=46 s=31
